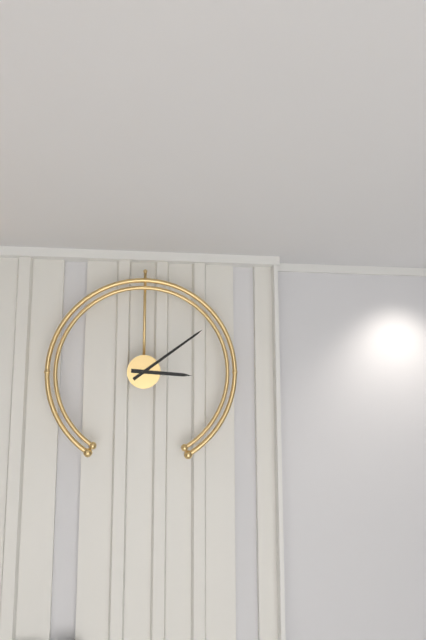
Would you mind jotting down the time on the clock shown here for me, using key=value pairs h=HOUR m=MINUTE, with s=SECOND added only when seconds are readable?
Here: h=3 m=9
